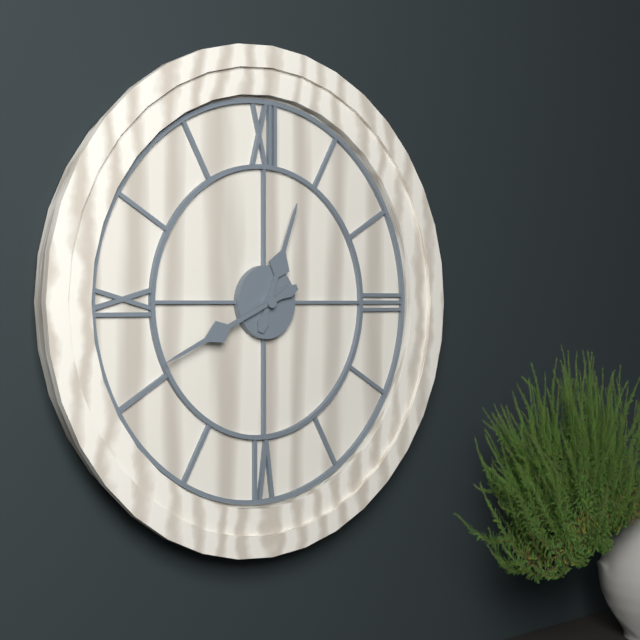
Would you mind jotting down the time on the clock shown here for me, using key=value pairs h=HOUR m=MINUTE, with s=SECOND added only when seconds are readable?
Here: h=12 m=41
